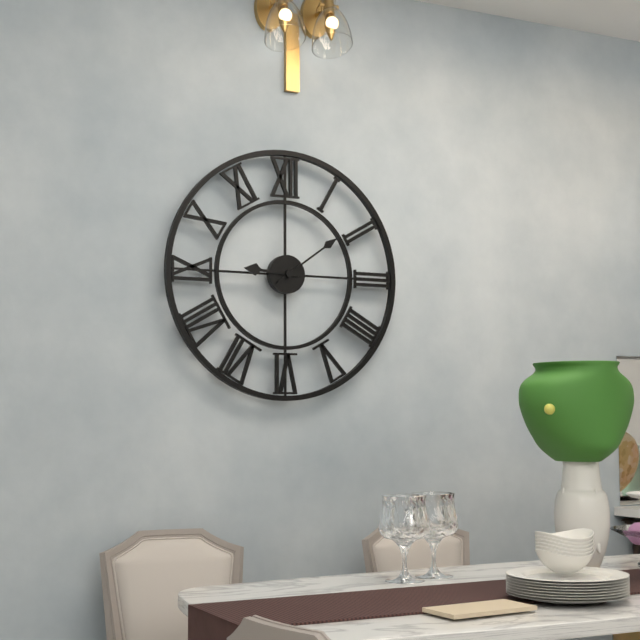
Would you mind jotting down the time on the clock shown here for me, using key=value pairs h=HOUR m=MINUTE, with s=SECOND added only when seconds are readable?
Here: h=9 m=9
